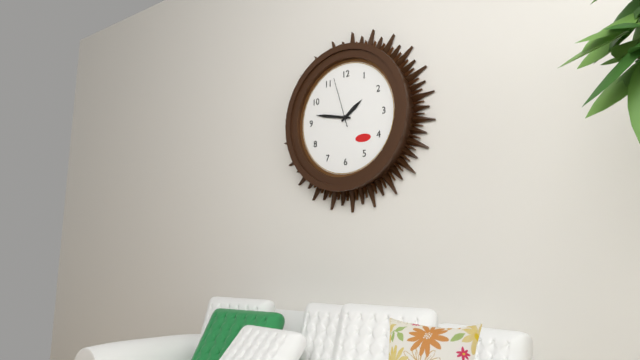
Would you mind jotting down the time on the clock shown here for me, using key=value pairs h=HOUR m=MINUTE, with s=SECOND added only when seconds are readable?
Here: h=1 m=47 s=57
